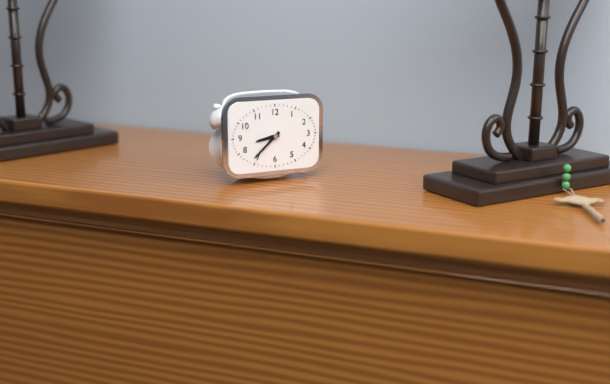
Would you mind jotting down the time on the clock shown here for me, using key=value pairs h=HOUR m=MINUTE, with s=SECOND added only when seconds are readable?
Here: h=8 m=38
